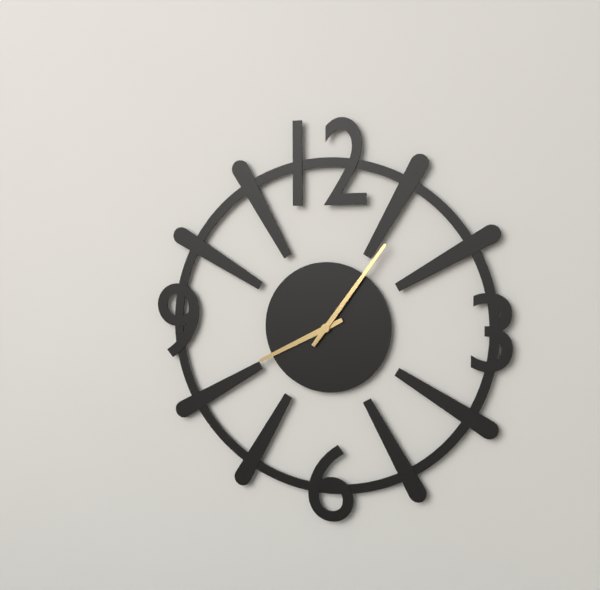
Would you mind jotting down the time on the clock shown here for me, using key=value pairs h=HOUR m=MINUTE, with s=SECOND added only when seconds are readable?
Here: h=8 m=6
